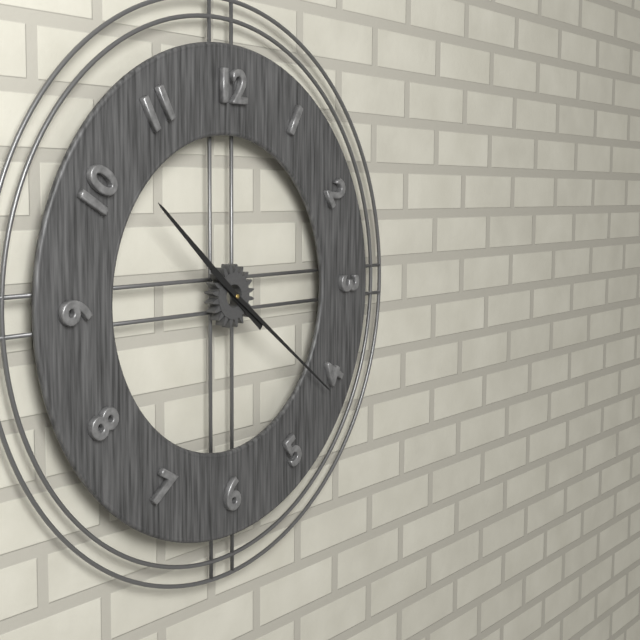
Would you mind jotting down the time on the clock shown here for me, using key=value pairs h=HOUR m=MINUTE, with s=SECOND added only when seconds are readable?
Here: h=10 m=21
